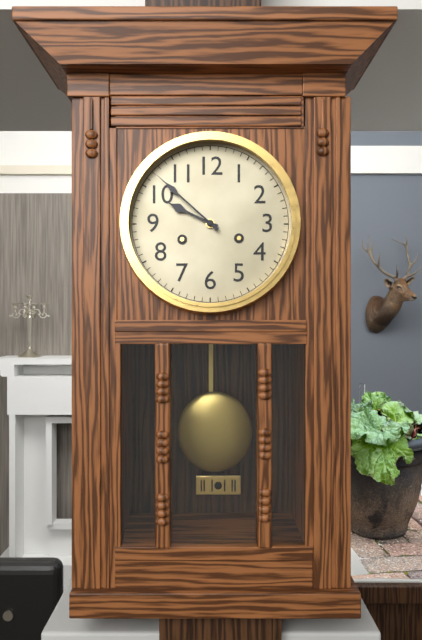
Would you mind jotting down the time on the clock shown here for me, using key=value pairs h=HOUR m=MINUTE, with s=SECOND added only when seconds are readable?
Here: h=9 m=52
